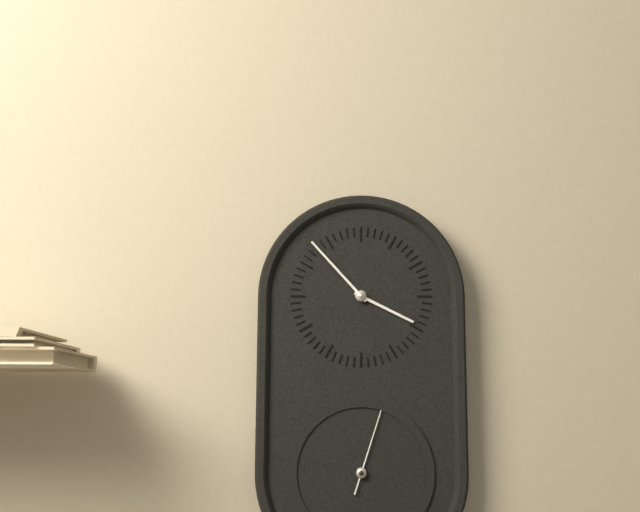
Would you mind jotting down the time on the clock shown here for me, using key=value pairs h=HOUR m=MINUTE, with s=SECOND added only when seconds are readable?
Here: h=3 m=53 s=3
